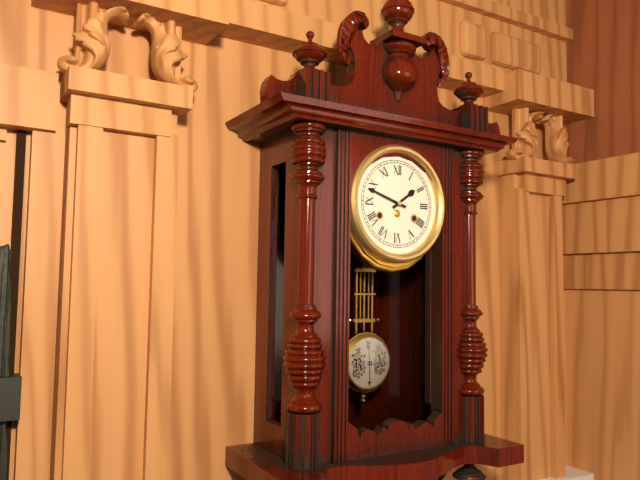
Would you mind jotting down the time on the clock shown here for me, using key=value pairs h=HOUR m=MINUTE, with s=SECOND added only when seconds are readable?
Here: h=1 m=48
